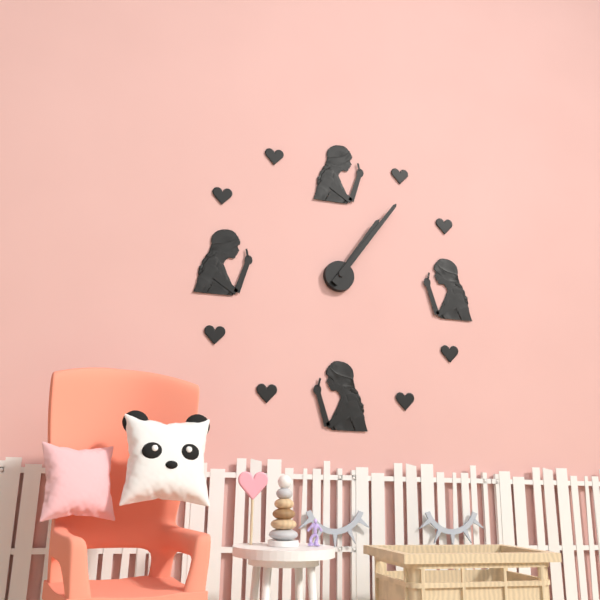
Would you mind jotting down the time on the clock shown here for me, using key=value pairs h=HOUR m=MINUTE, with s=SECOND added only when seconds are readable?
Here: h=1 m=6
